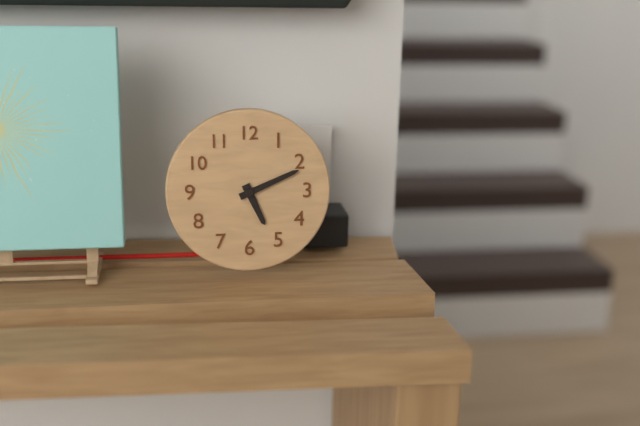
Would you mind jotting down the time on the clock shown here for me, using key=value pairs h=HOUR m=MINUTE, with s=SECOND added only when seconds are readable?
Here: h=5 m=11
